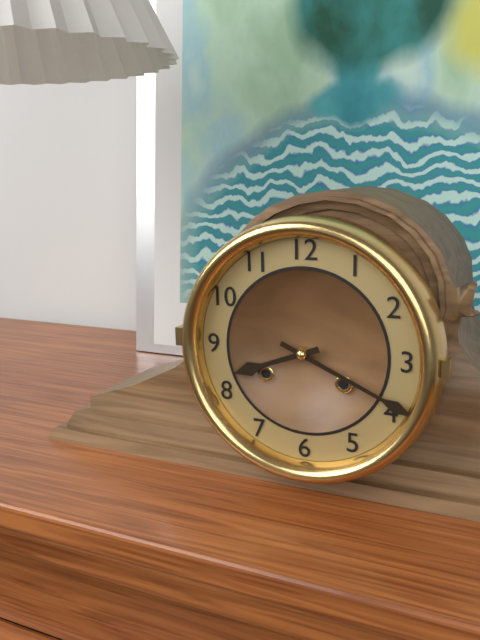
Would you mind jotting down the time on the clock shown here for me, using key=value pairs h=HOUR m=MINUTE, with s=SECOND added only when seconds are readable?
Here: h=8 m=19
